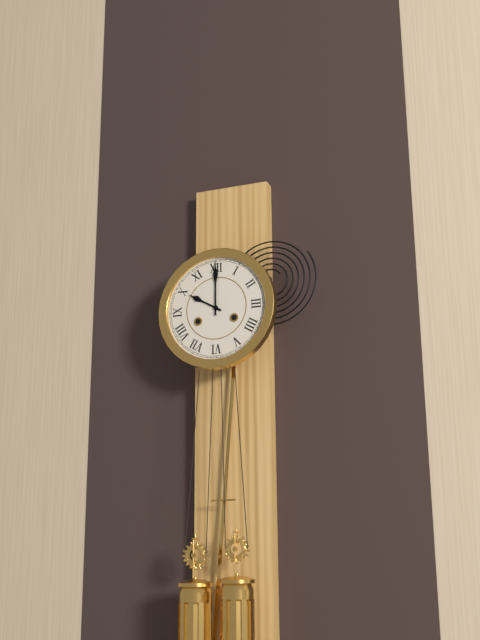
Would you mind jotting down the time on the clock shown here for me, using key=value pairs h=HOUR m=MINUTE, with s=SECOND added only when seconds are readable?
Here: h=10 m=0
